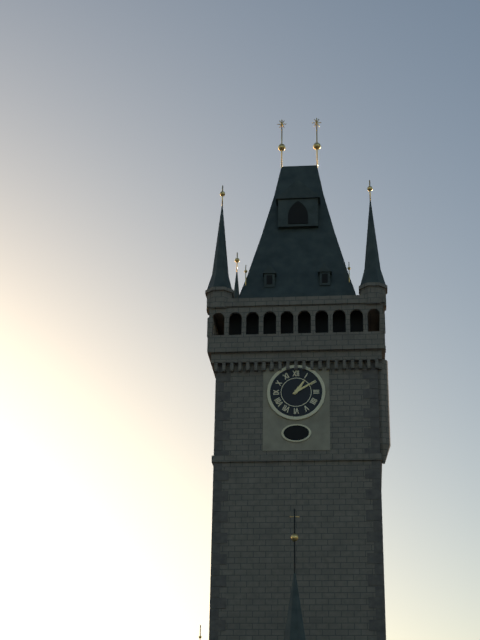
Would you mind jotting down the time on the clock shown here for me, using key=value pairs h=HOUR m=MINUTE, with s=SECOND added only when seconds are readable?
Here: h=1 m=10
